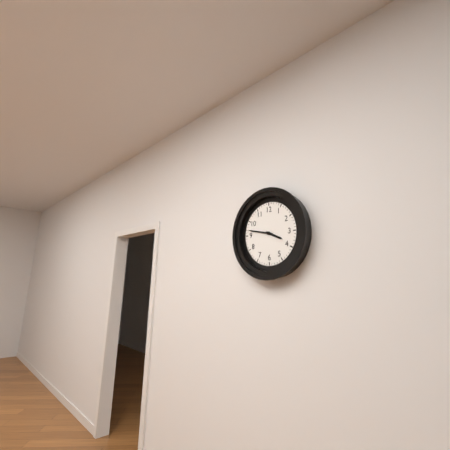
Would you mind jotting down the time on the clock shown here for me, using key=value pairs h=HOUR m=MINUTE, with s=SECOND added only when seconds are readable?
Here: h=3 m=47
